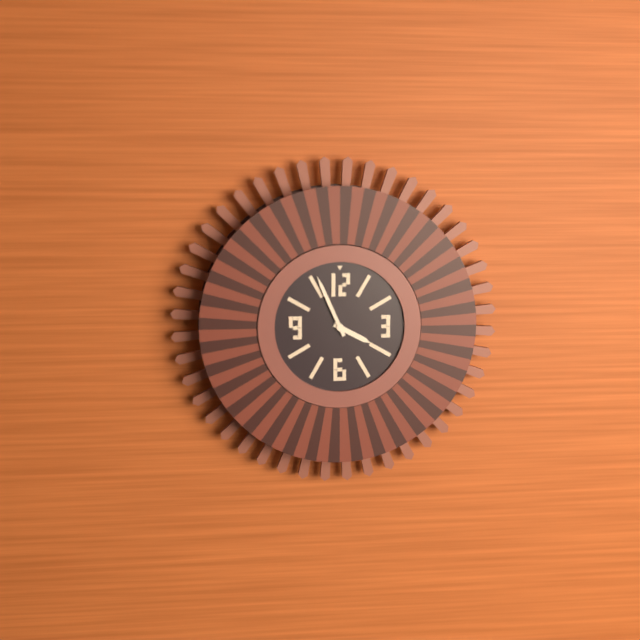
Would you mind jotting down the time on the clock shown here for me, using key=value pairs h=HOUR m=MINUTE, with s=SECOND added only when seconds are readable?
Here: h=3 m=56
